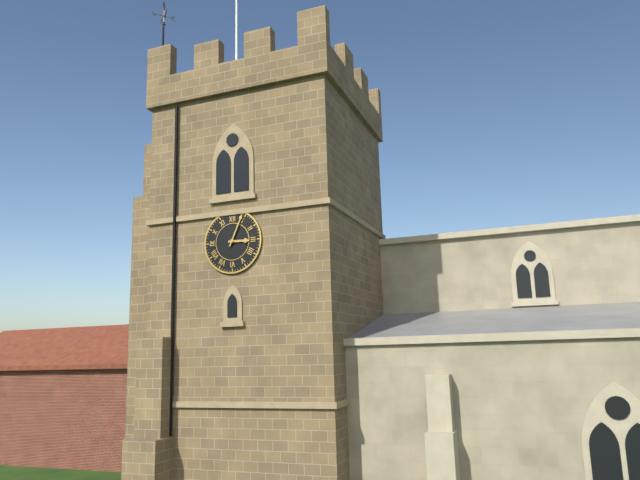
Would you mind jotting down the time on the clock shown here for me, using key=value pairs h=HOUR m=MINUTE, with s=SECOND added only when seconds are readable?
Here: h=3 m=4
